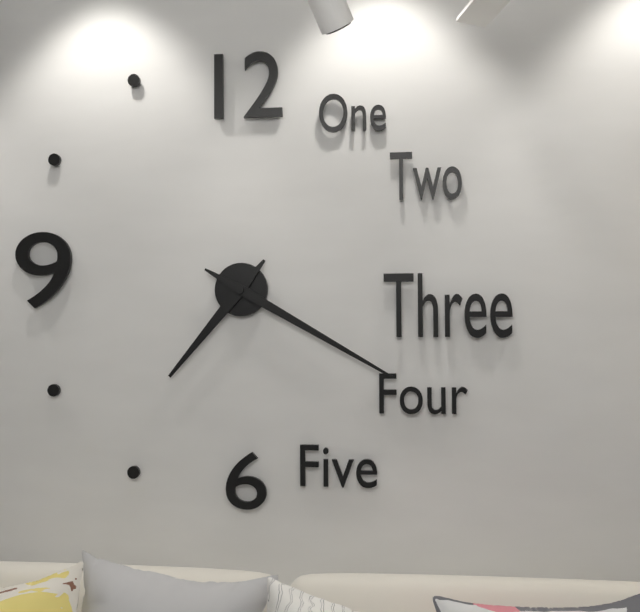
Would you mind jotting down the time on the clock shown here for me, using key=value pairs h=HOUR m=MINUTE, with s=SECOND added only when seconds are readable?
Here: h=7 m=20
